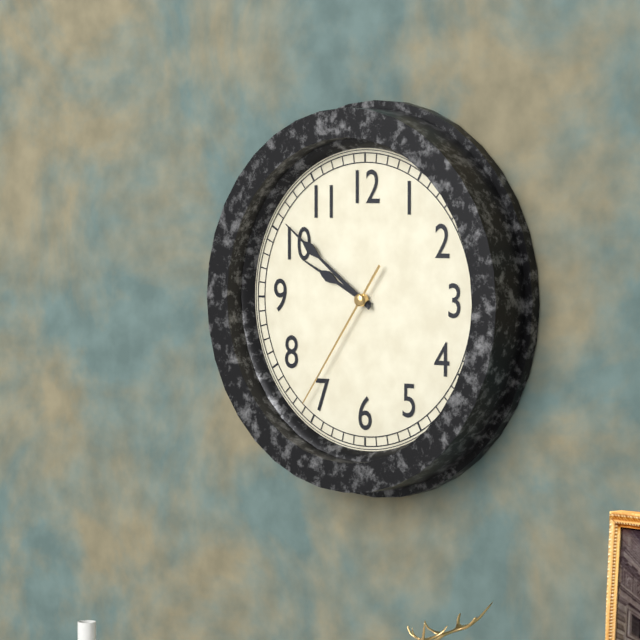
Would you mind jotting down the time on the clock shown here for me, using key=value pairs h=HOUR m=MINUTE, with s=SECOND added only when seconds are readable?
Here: h=9 m=51 s=36
